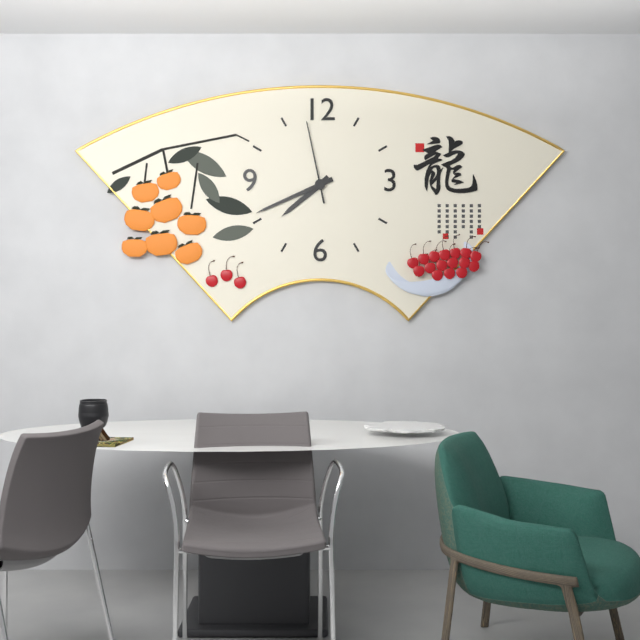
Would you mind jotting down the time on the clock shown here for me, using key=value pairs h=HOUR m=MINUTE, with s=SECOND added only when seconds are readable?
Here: h=7 m=41 s=58
